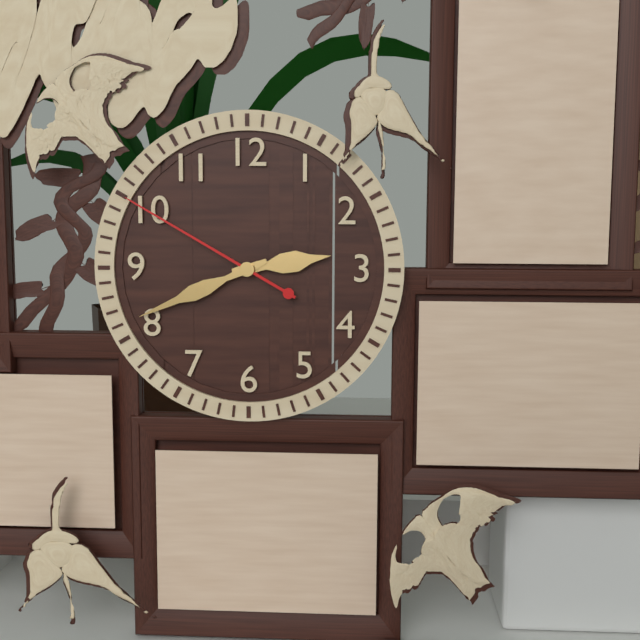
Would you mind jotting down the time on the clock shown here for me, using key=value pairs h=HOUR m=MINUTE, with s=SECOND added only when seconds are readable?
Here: h=2 m=41 s=50
